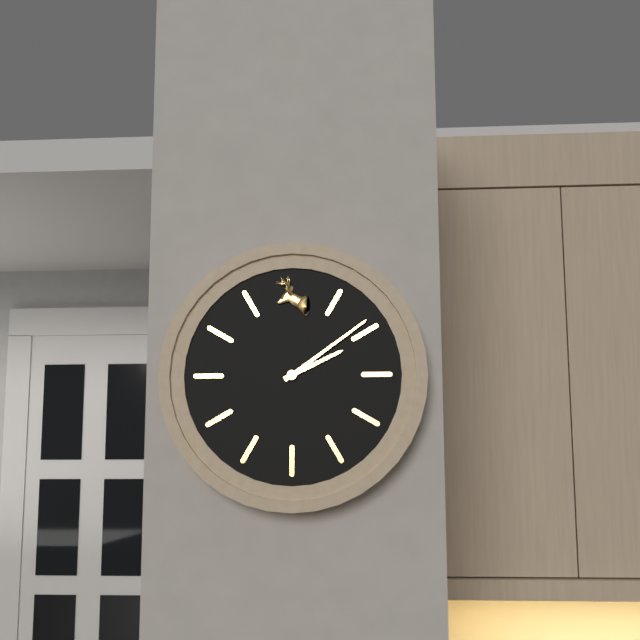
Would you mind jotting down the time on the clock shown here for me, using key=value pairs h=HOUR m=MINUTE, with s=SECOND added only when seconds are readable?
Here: h=2 m=9
